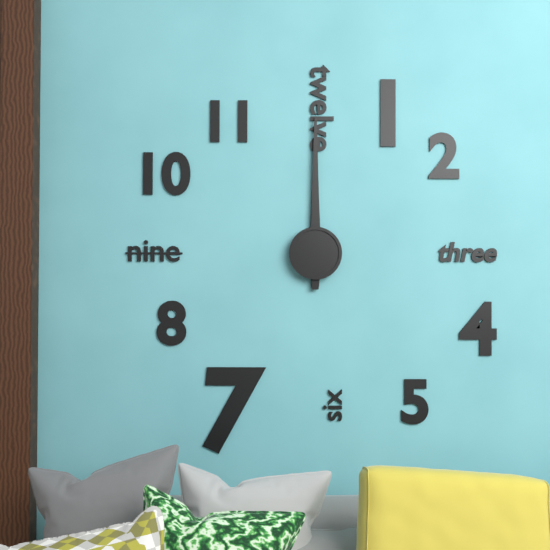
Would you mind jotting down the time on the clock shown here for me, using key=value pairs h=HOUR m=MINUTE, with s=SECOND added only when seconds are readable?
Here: h=12 m=0
